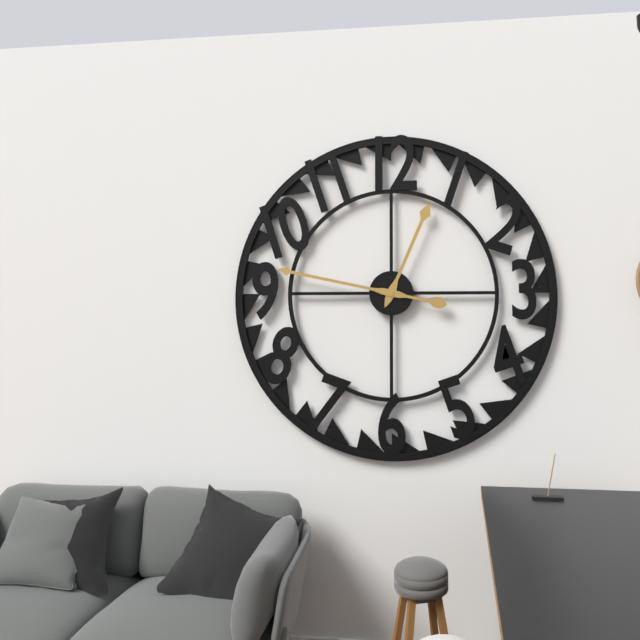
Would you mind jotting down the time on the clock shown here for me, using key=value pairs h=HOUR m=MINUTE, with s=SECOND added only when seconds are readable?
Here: h=12 m=47
